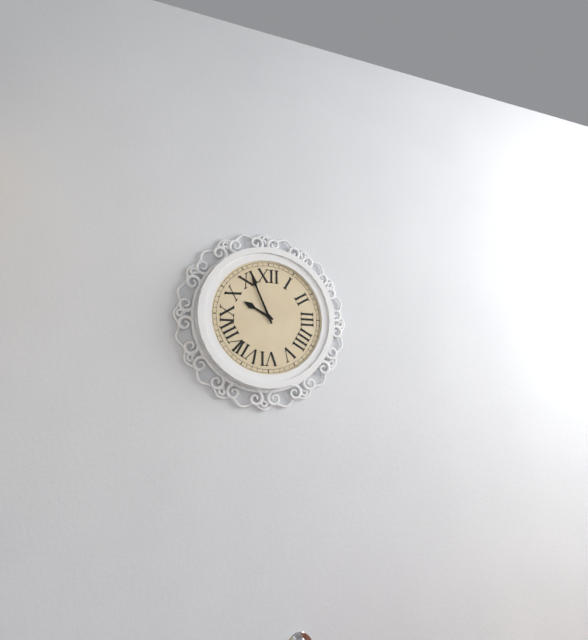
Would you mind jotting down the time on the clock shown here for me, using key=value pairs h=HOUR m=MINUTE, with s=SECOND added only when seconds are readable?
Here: h=9 m=56
